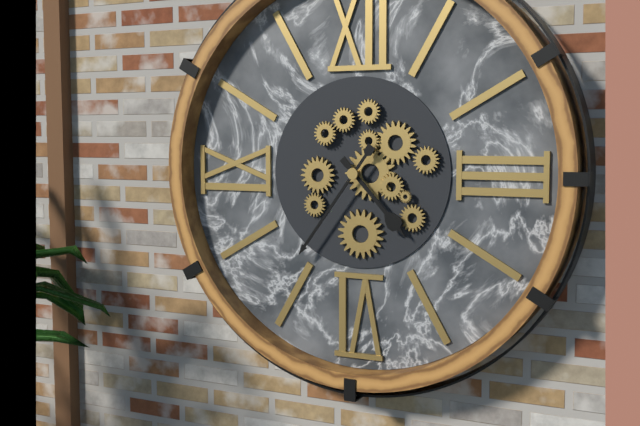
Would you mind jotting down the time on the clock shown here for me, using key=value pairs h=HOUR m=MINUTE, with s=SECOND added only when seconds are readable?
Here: h=4 m=36
